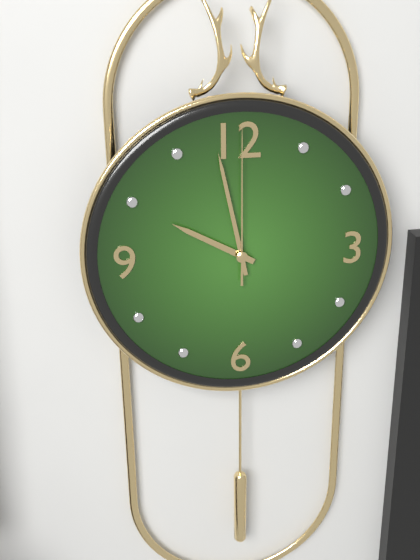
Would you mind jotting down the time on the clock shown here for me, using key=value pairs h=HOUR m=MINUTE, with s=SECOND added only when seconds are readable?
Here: h=9 m=58 s=0
